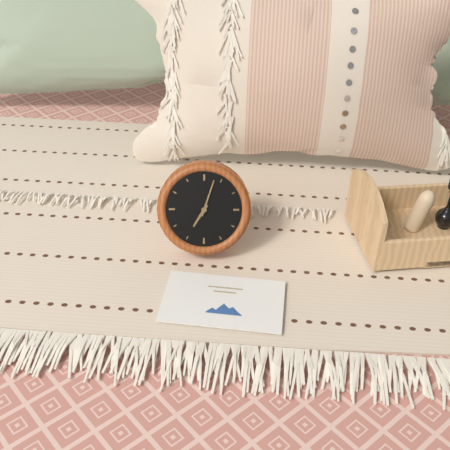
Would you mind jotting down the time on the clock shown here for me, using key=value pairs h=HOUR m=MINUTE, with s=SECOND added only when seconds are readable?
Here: h=7 m=3
